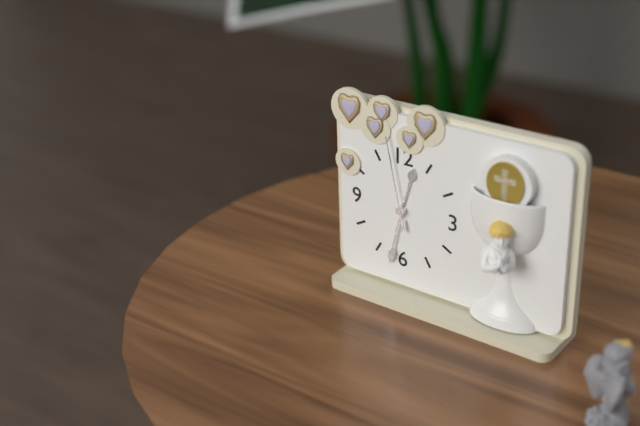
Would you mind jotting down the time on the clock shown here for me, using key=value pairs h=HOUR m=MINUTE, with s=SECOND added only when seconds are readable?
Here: h=12 m=32 s=58
